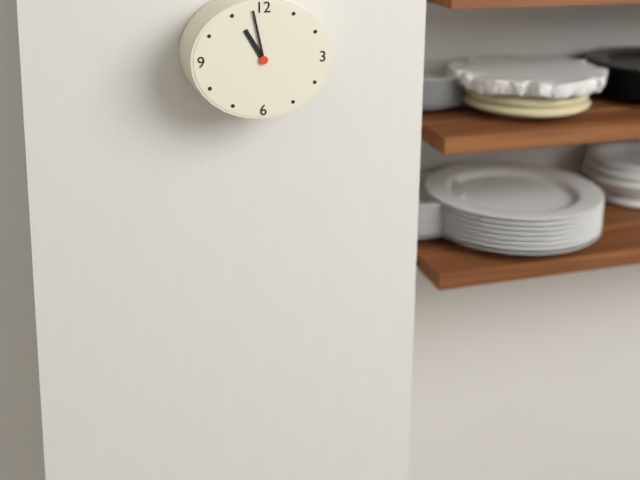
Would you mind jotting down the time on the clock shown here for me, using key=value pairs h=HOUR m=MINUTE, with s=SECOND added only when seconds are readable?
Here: h=10 m=58
